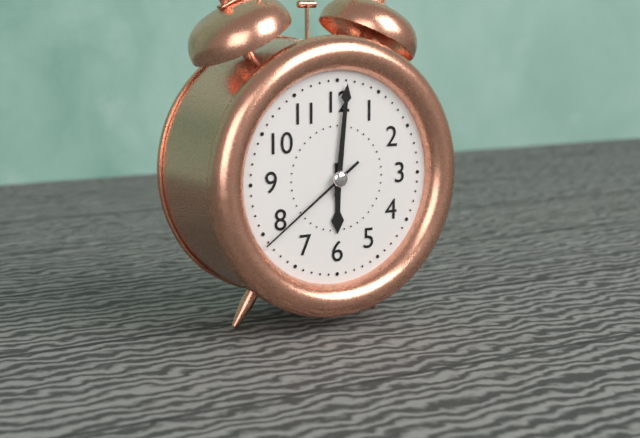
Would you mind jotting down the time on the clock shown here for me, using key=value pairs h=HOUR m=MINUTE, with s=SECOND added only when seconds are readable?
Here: h=6 m=1 s=39
